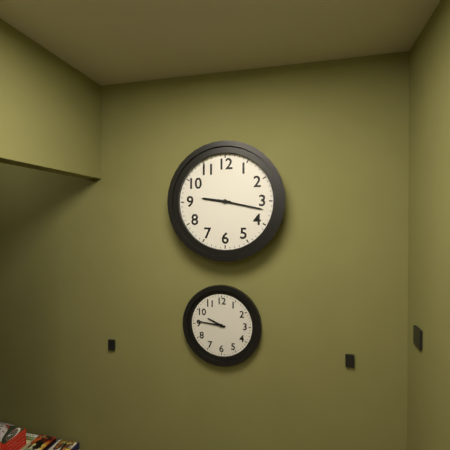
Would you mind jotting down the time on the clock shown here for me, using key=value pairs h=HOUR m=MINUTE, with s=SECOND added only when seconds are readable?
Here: h=9 m=17
